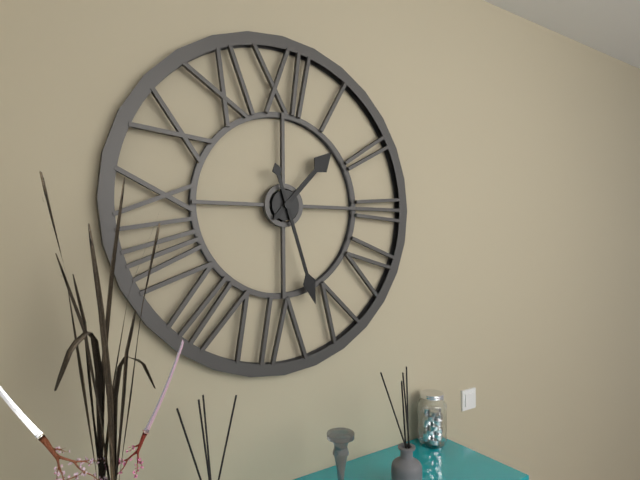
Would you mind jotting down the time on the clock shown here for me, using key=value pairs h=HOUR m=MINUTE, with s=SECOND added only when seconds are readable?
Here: h=1 m=27
